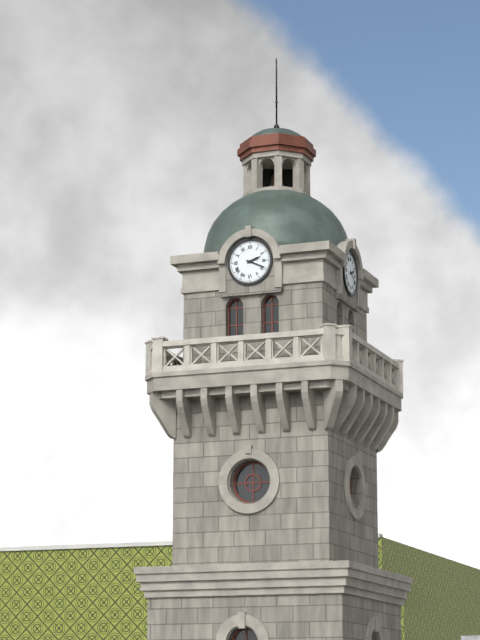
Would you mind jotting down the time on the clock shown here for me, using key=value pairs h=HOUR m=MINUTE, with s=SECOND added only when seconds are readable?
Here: h=2 m=19
